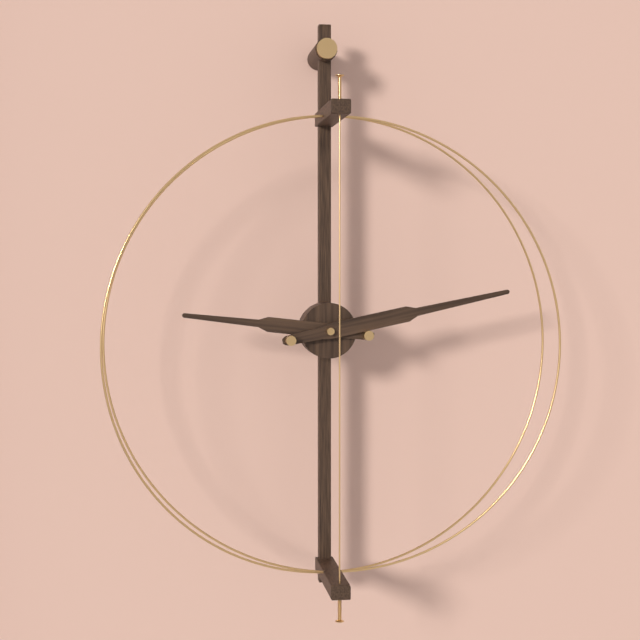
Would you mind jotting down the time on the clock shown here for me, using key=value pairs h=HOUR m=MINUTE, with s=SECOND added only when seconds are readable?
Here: h=9 m=13
